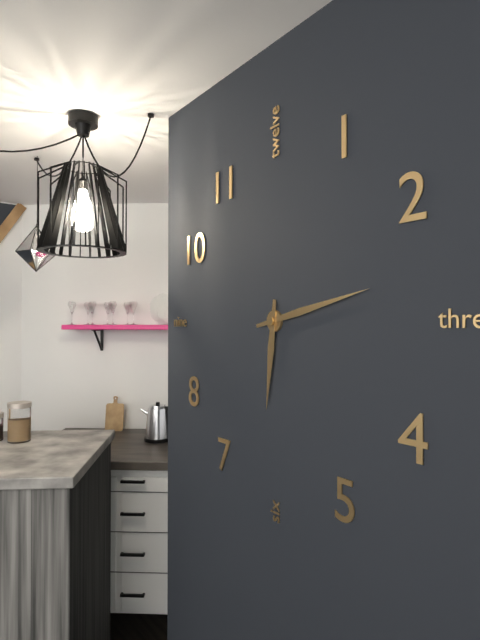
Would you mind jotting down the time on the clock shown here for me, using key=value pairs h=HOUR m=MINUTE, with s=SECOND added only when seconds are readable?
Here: h=6 m=13
